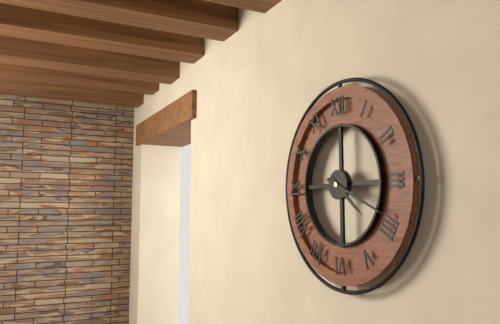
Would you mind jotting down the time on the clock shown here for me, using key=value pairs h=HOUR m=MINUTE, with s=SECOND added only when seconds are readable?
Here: h=4 m=19
